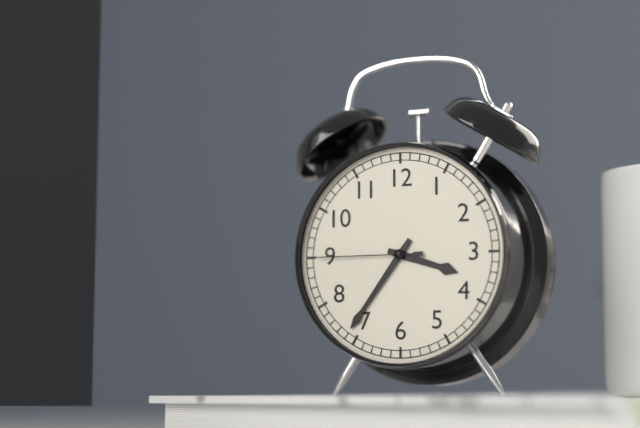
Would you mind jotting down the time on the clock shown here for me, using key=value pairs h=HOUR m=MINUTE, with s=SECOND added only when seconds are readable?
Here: h=3 m=36 s=45
